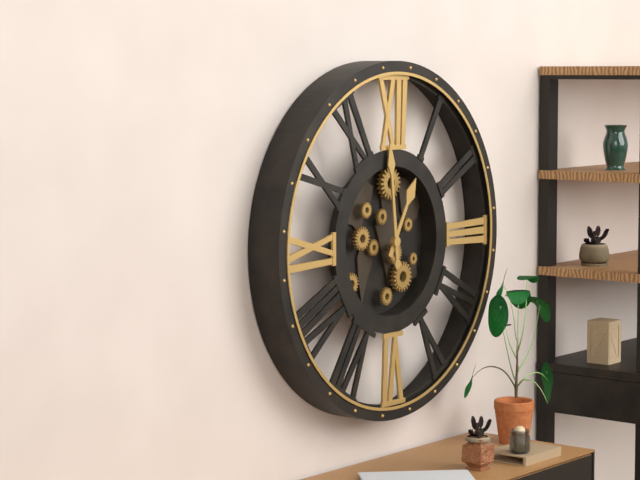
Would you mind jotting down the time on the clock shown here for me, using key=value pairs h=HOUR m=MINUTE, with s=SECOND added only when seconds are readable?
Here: h=12 m=59
